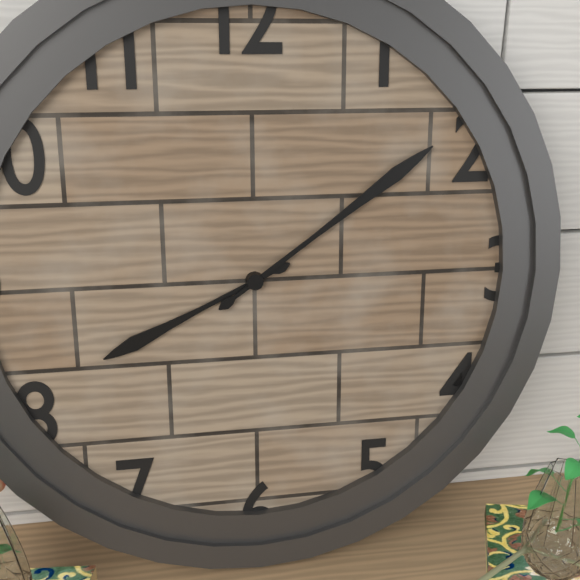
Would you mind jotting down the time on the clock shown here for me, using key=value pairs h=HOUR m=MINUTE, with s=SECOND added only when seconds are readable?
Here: h=8 m=9
